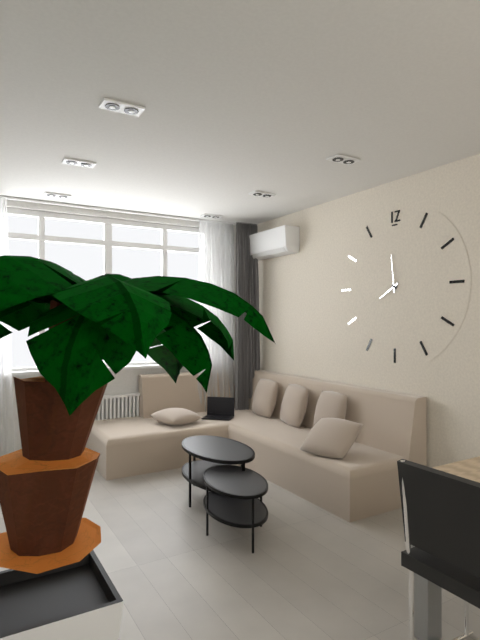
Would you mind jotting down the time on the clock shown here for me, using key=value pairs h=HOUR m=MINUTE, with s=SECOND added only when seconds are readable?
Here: h=7 m=59
